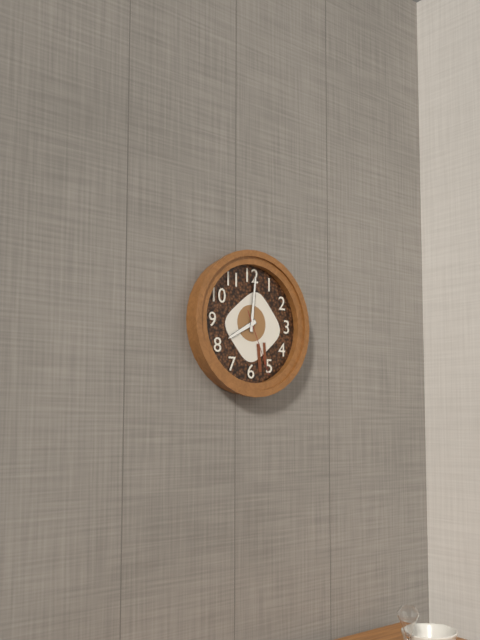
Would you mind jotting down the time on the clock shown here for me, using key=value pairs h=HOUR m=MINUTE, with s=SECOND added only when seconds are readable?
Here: h=8 m=1 s=26
